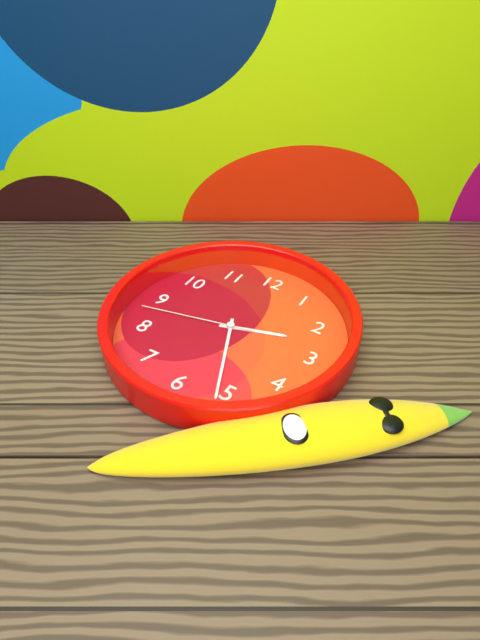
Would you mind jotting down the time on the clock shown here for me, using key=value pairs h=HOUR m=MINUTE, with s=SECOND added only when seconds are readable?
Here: h=2 m=26 s=43
